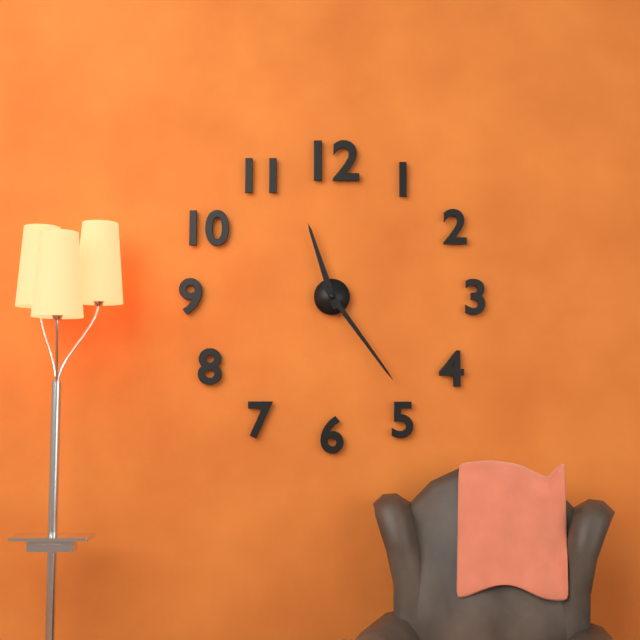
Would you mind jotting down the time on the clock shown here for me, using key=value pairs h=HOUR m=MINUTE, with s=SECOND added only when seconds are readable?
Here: h=11 m=24
